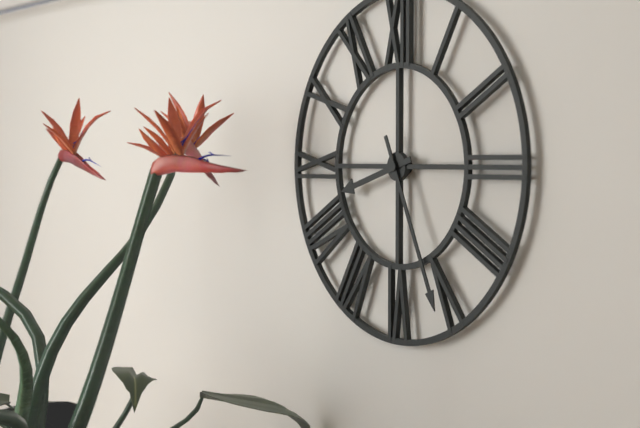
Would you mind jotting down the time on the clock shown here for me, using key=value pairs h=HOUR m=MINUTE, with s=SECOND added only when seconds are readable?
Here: h=8 m=26
